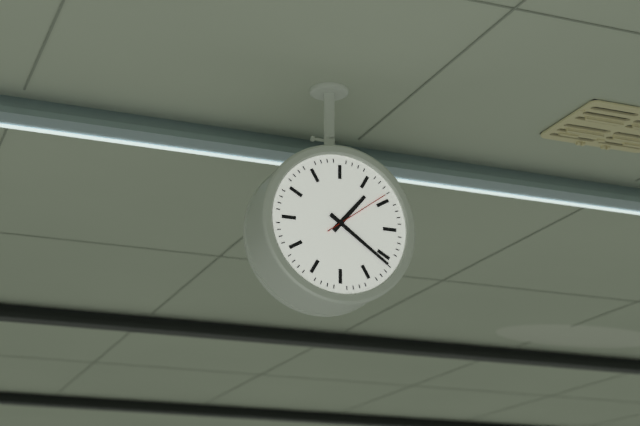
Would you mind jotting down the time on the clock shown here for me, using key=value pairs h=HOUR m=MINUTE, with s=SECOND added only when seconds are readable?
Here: h=1 m=21 s=9
